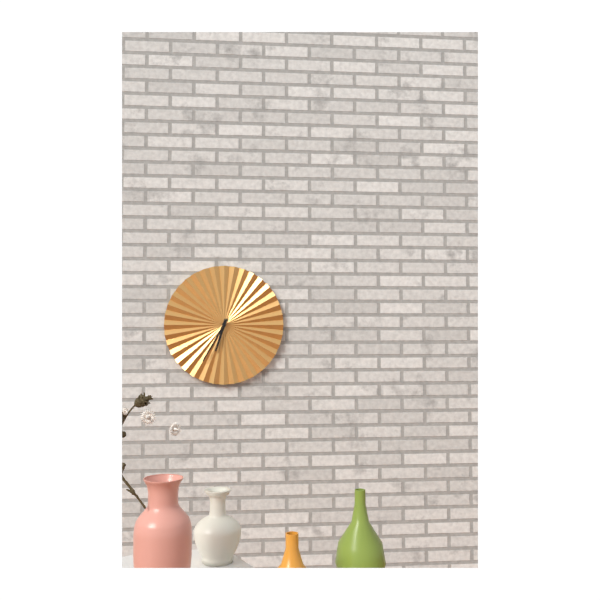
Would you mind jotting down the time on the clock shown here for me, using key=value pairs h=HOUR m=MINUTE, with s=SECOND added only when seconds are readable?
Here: h=6 m=35
